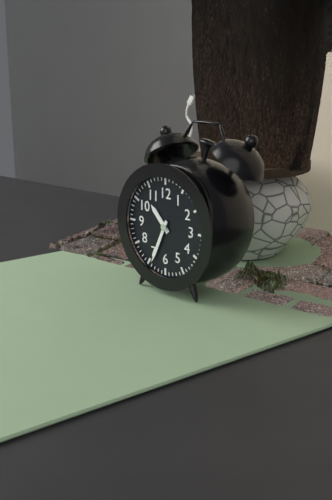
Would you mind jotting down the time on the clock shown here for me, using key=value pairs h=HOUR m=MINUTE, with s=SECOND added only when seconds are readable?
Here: h=10 m=34
